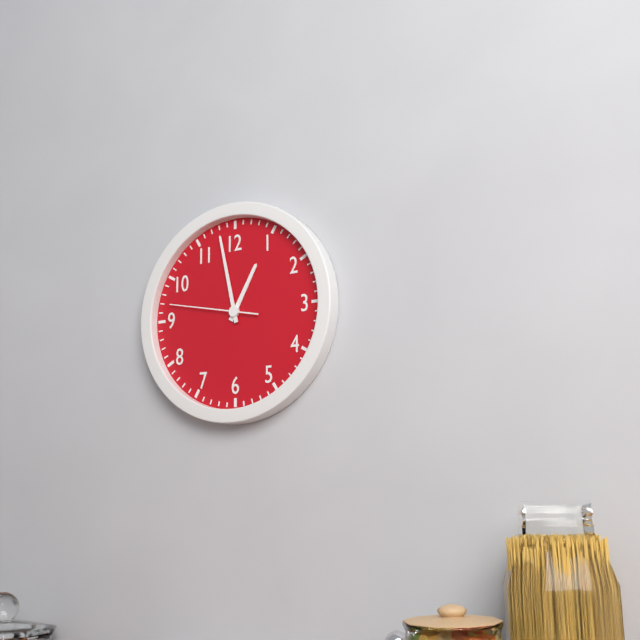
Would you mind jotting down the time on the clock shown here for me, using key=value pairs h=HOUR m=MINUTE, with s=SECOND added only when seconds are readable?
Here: h=12 m=58 s=47
